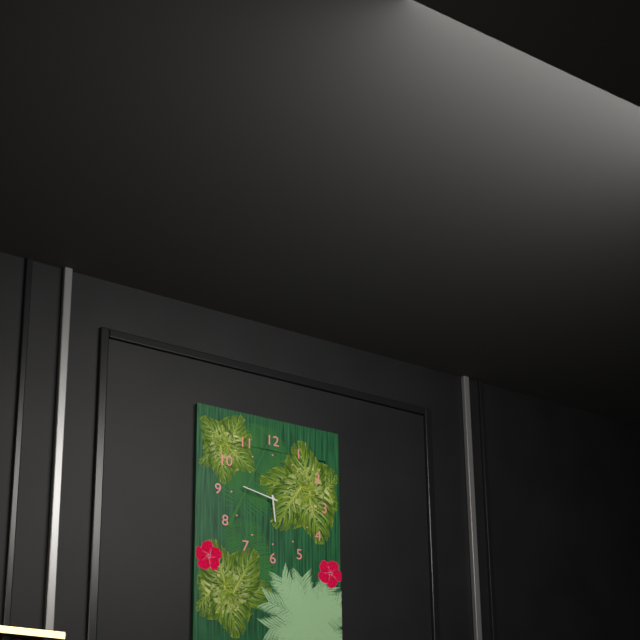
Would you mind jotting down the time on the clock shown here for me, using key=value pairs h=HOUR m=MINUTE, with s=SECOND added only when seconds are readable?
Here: h=5 m=47
